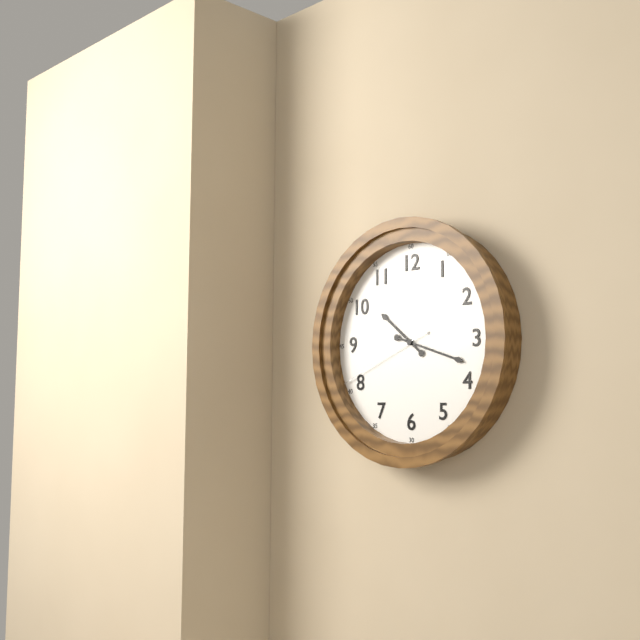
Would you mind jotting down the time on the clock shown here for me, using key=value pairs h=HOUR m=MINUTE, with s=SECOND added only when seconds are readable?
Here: h=10 m=18 s=41
